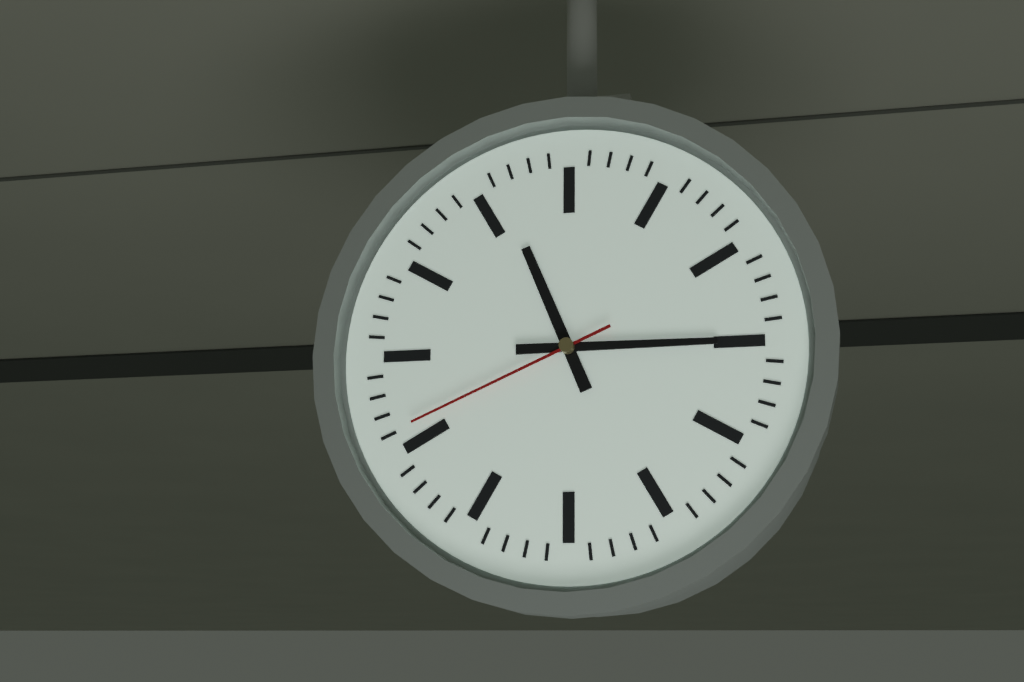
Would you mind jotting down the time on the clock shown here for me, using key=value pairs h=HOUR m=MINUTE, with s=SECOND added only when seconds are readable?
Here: h=11 m=15 s=41
